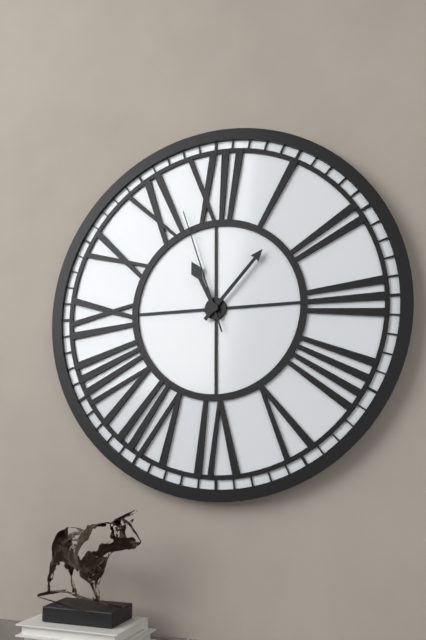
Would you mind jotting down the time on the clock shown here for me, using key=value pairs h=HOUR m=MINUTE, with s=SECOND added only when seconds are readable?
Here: h=11 m=7 s=57
